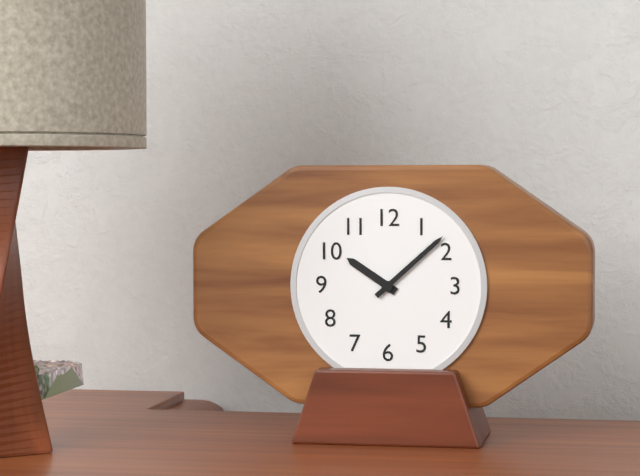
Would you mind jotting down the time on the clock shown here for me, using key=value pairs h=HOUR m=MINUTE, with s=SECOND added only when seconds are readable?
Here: h=10 m=8
